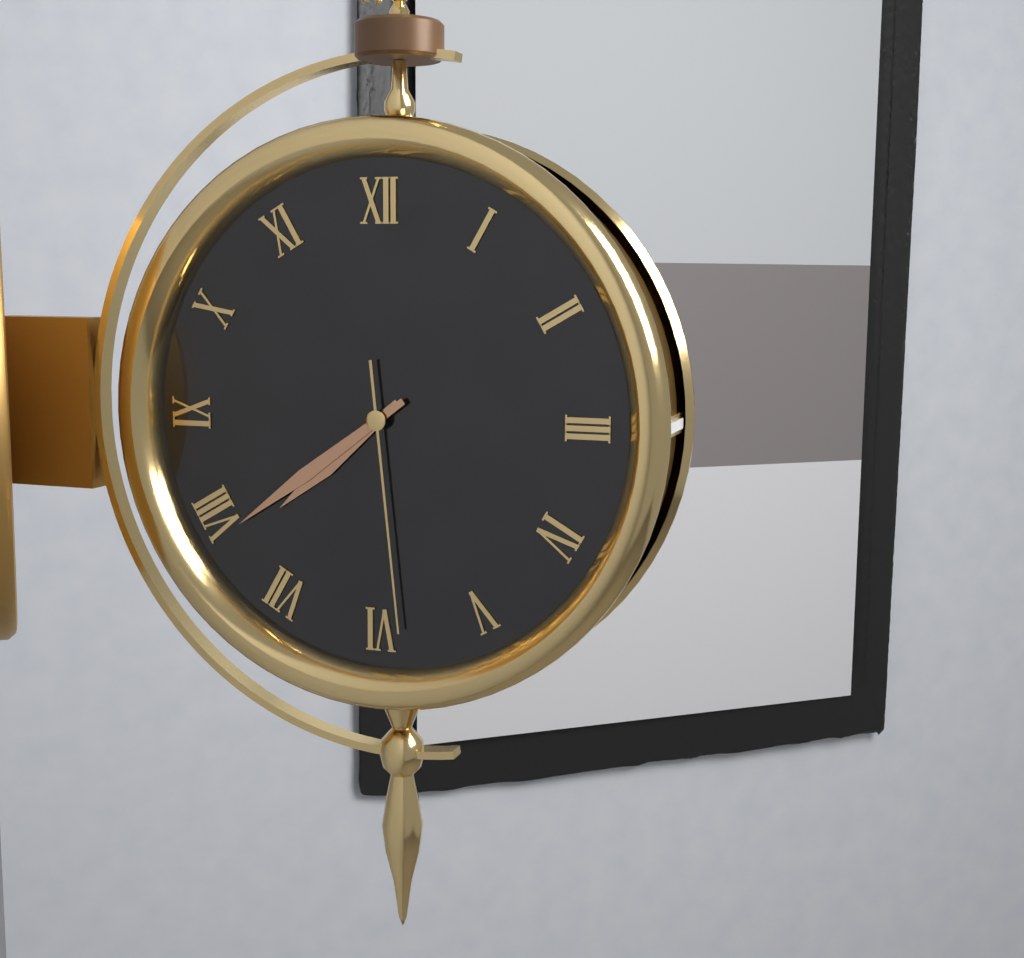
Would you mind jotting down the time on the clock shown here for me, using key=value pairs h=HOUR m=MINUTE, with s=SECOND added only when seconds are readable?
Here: h=7 m=39 s=29
